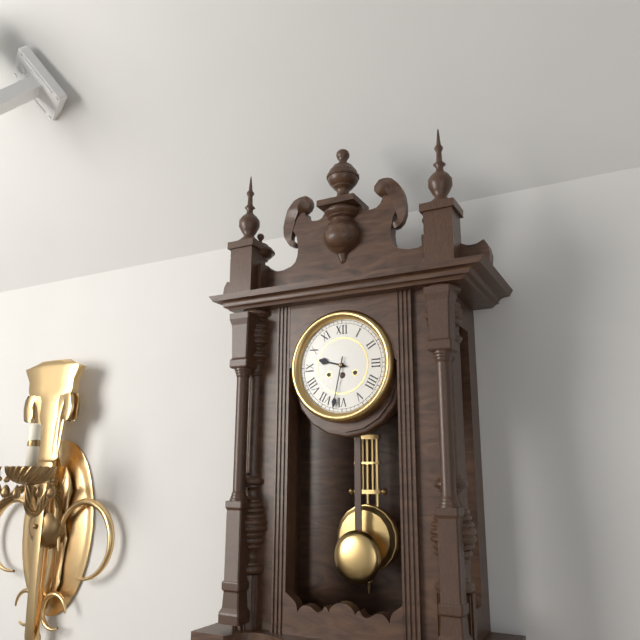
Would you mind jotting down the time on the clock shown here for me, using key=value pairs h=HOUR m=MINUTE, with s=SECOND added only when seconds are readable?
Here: h=9 m=32
